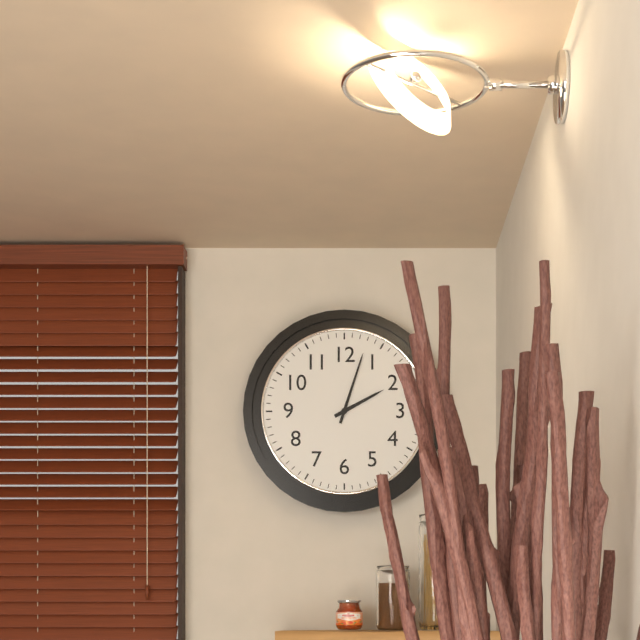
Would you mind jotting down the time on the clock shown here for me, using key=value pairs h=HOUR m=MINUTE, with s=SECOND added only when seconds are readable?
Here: h=2 m=3
